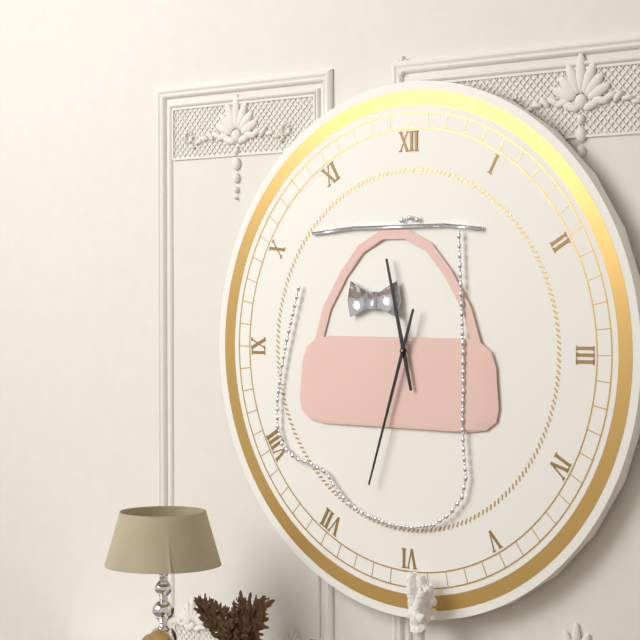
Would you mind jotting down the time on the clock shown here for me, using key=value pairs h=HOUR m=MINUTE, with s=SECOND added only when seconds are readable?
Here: h=11 m=33
